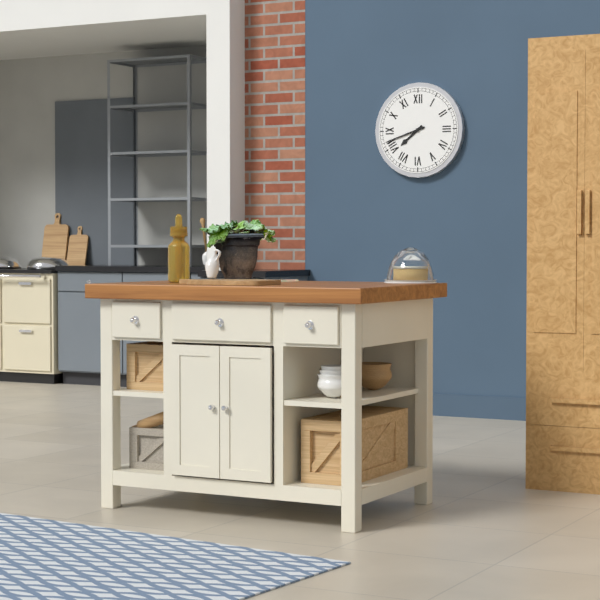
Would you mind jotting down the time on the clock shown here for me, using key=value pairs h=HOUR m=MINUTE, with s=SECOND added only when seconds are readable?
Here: h=7 m=42
